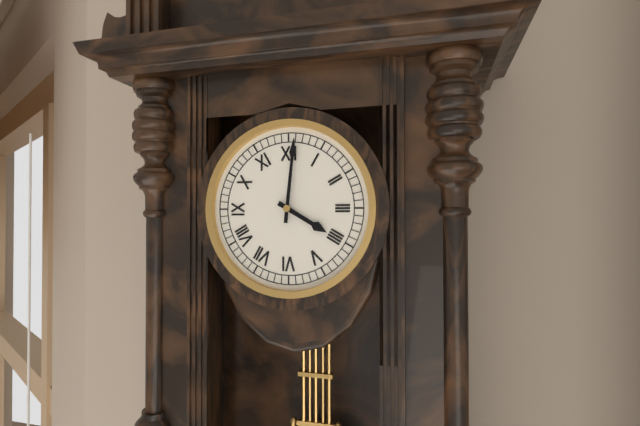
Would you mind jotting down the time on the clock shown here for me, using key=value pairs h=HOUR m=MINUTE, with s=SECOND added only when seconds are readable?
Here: h=4 m=1
